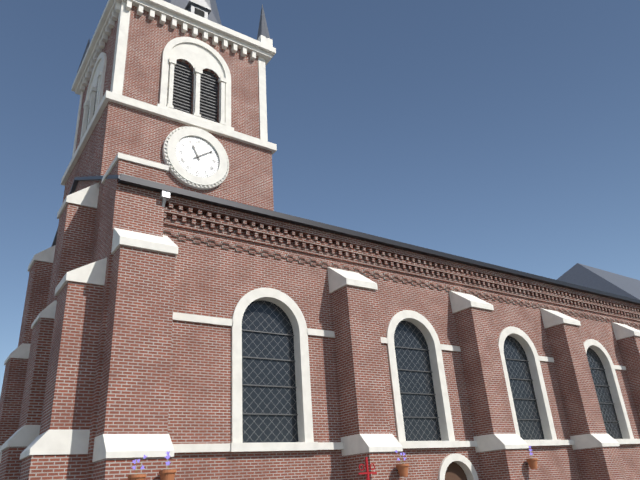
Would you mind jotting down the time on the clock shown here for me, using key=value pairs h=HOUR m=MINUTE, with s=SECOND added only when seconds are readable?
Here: h=11 m=9
